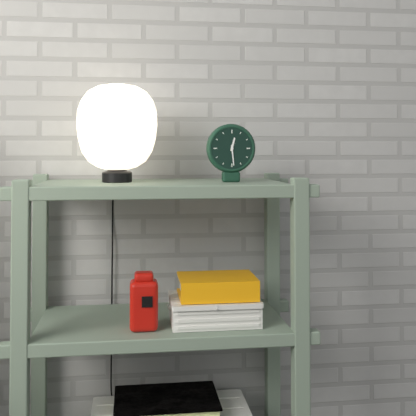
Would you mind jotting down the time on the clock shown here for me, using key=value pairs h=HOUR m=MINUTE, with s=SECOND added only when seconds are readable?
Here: h=12 m=29
